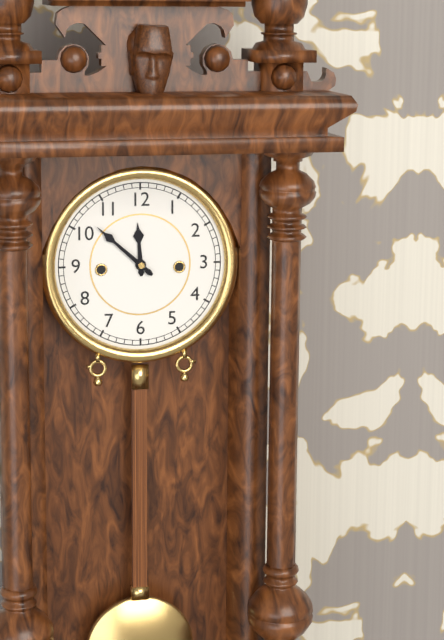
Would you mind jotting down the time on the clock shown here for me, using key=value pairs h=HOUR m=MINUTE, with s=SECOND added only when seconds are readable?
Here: h=11 m=52
